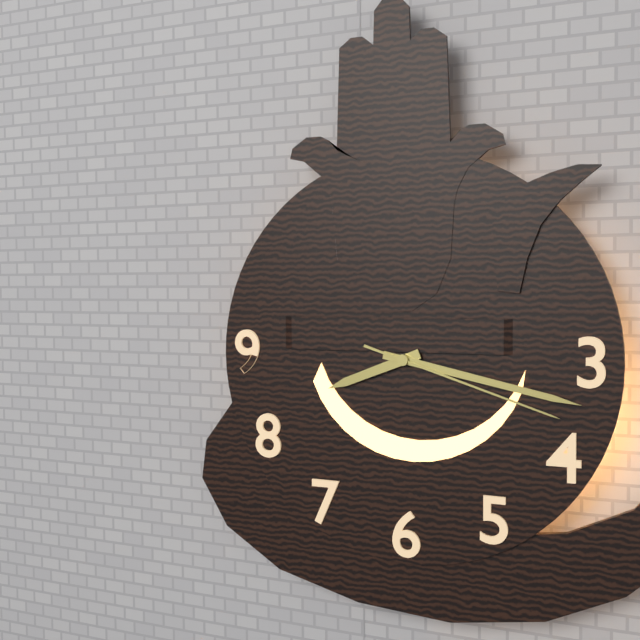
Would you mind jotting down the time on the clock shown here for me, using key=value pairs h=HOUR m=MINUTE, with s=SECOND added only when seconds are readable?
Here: h=8 m=17 s=18
